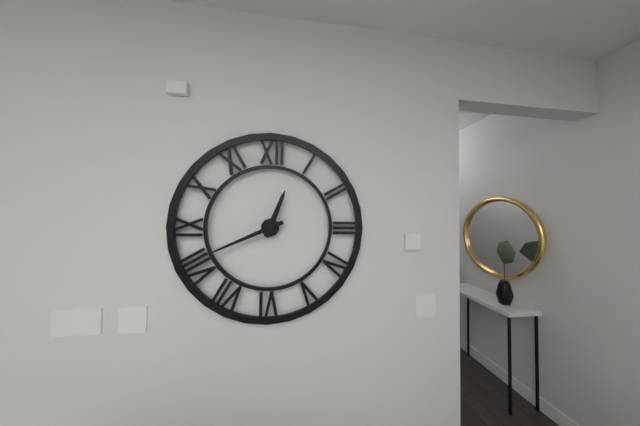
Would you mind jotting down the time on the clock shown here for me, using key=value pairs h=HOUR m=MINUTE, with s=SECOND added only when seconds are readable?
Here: h=12 m=41
